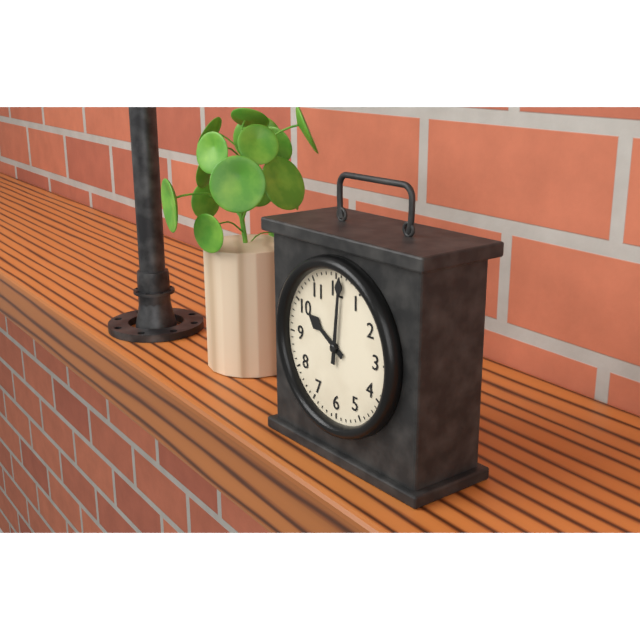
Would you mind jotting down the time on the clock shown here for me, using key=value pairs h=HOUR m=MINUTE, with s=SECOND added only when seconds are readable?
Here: h=10 m=1
